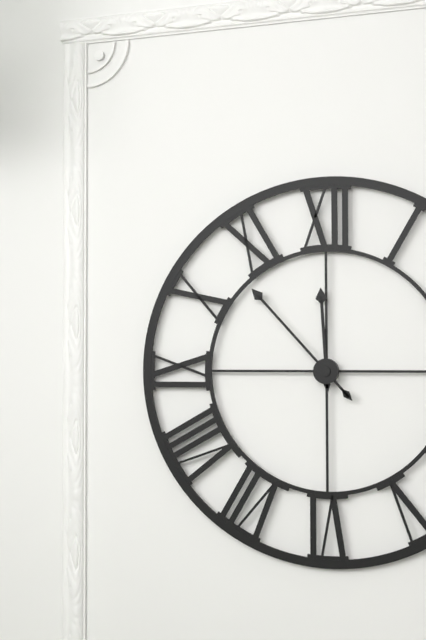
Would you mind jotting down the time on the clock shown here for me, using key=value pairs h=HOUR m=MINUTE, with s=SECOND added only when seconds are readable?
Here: h=11 m=53
